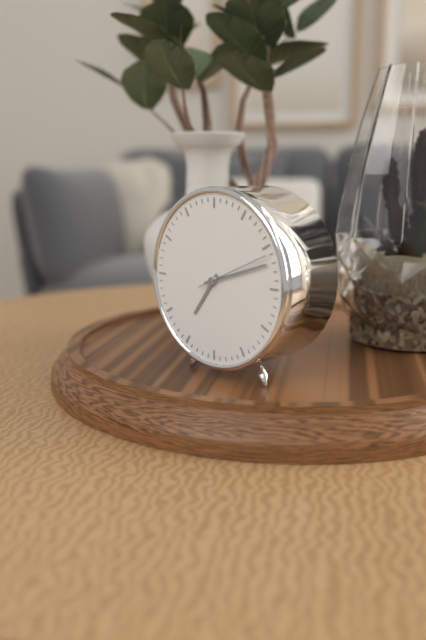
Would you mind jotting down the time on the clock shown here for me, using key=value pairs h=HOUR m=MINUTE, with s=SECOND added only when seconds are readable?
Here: h=7 m=12 s=11
